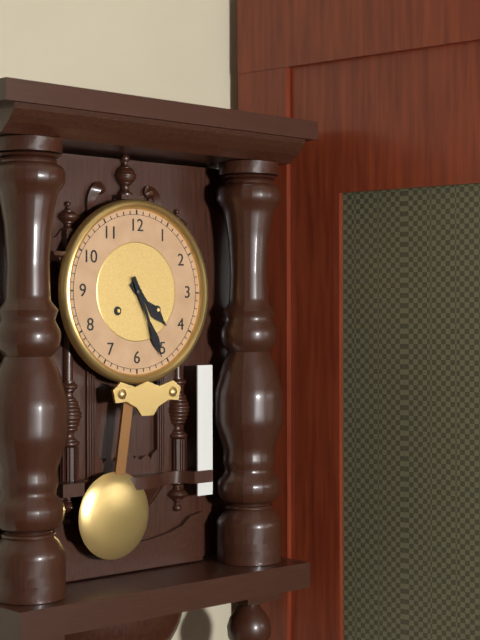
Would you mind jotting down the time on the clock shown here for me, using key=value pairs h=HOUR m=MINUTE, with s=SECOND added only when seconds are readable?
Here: h=4 m=26
